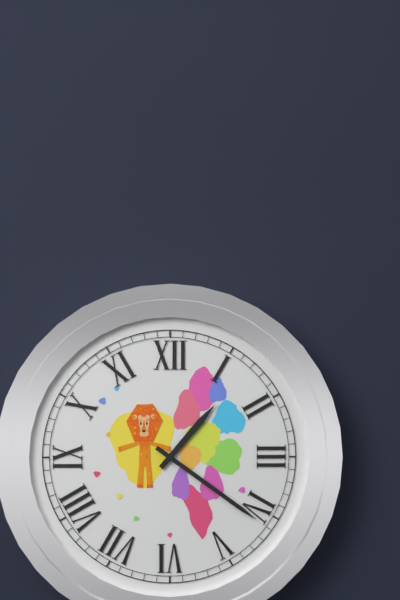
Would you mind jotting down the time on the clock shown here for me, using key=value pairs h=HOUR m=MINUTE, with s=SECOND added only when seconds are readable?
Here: h=1 m=21
